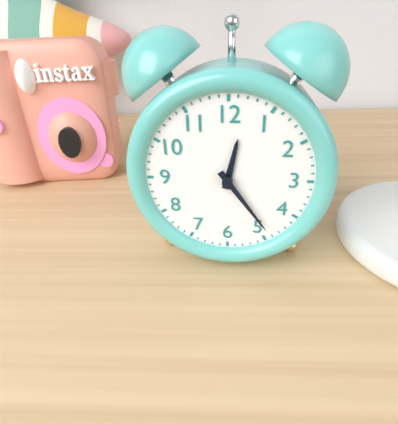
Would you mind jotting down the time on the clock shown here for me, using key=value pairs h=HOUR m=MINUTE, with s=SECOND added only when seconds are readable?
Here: h=12 m=24
